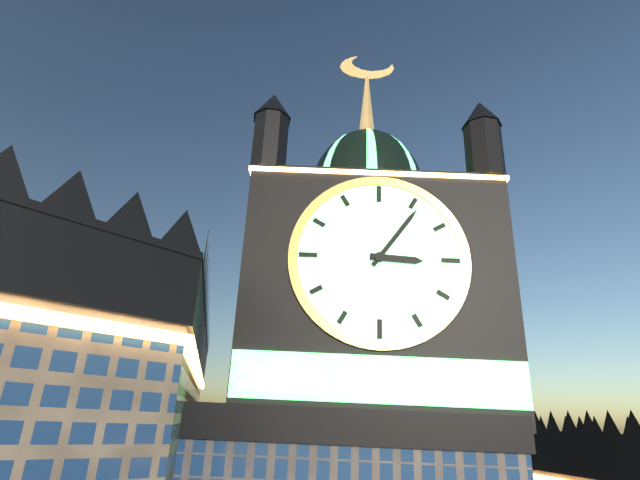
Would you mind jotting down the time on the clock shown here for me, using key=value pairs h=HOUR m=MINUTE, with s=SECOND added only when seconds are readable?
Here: h=3 m=6
